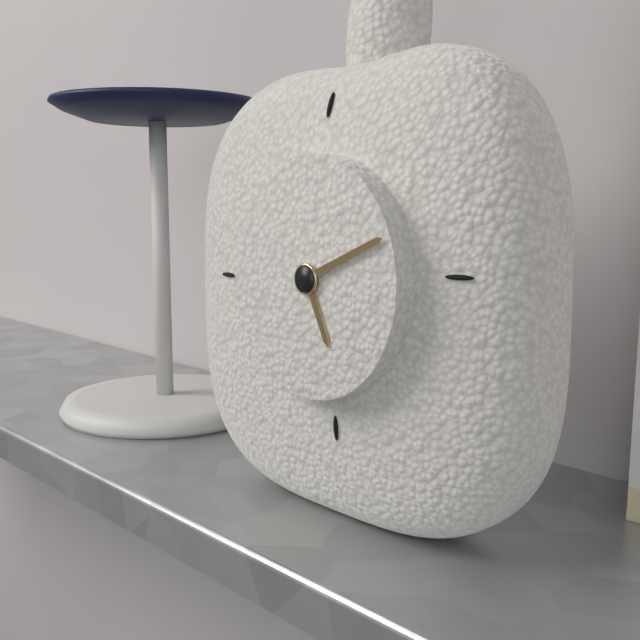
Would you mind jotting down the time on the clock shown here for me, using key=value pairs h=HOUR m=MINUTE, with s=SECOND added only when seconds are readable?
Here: h=5 m=11
